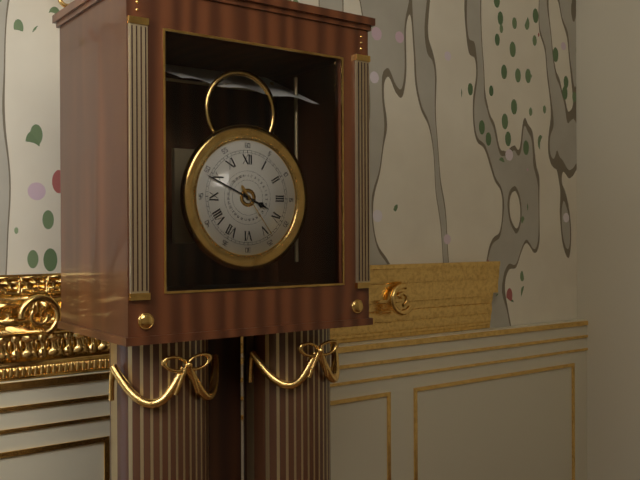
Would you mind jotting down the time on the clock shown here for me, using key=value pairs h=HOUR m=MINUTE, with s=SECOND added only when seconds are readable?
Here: h=3 m=49 s=24
